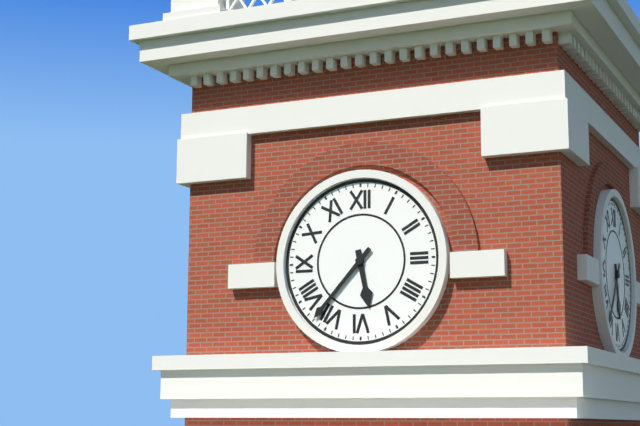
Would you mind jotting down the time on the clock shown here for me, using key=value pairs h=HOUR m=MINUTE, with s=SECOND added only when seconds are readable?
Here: h=5 m=37
